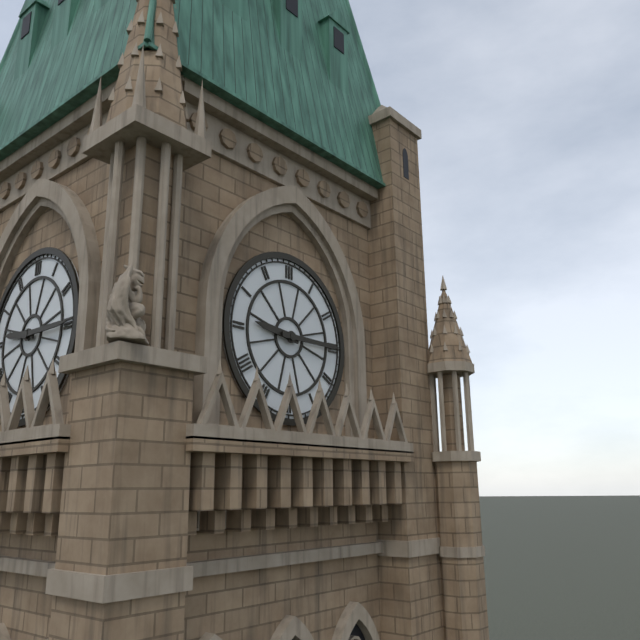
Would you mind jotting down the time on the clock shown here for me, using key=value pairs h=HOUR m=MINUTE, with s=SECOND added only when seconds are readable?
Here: h=9 m=15
